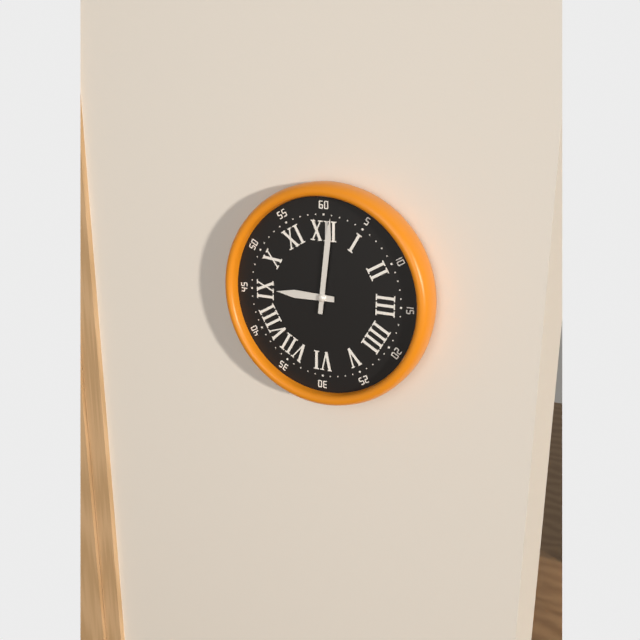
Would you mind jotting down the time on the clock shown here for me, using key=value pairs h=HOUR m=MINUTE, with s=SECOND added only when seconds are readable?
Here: h=9 m=1
